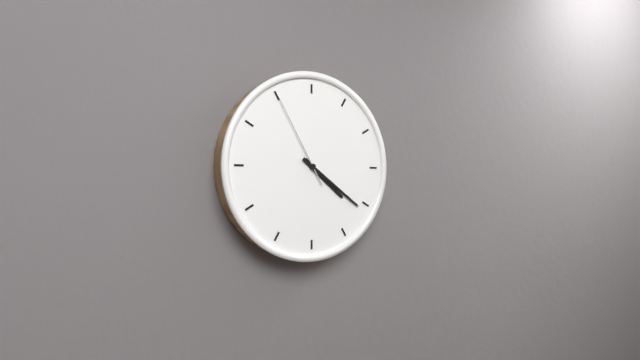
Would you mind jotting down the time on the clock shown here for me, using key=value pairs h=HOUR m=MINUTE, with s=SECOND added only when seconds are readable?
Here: h=4 m=21 s=55
